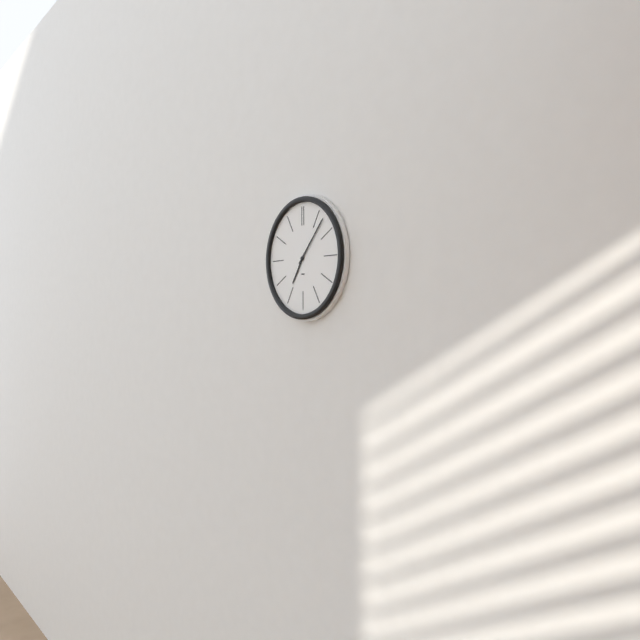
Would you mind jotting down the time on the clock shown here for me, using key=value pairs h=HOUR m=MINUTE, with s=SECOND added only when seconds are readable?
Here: h=7 m=7
